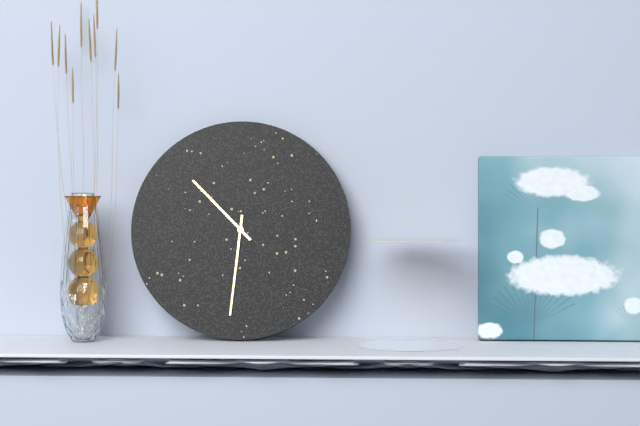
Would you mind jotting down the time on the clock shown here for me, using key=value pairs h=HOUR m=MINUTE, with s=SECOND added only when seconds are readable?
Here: h=10 m=31
